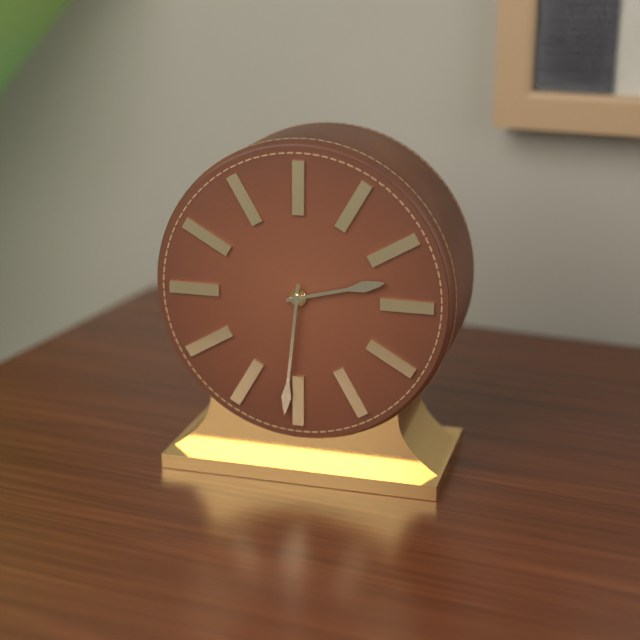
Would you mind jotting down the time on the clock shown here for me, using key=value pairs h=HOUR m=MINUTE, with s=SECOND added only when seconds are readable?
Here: h=2 m=31
